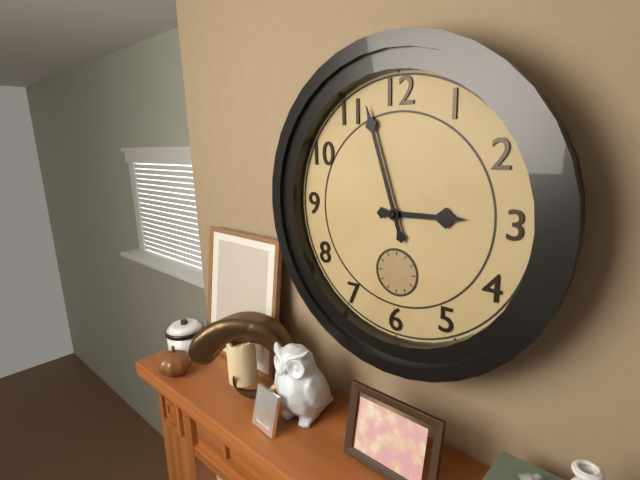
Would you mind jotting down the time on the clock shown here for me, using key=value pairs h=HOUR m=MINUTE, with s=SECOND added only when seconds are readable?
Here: h=2 m=57
